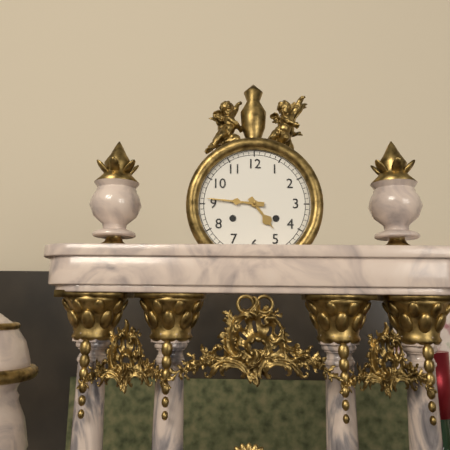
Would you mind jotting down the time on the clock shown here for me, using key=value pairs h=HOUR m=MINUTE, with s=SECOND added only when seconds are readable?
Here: h=4 m=46
